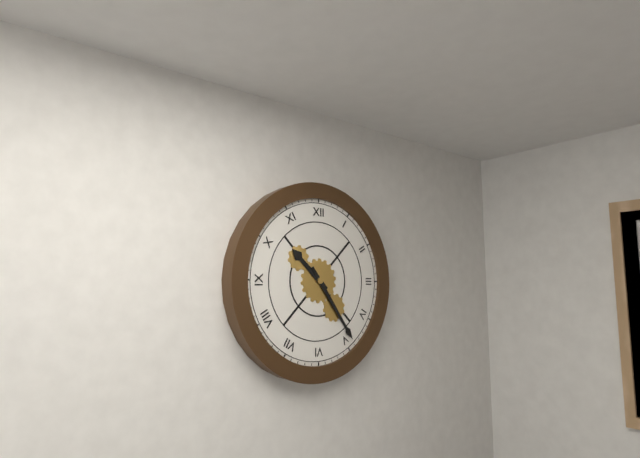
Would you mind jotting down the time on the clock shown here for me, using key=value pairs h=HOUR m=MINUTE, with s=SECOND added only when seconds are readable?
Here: h=10 m=24
